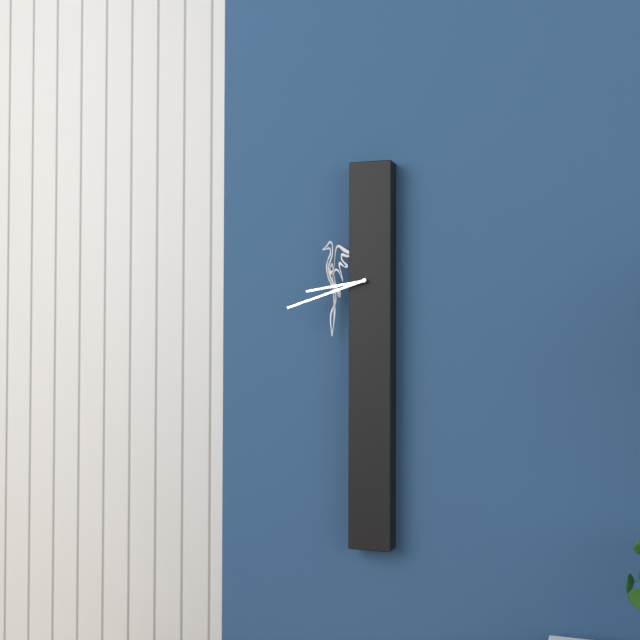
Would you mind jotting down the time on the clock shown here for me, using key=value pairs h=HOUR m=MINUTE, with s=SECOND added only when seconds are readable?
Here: h=8 m=42
